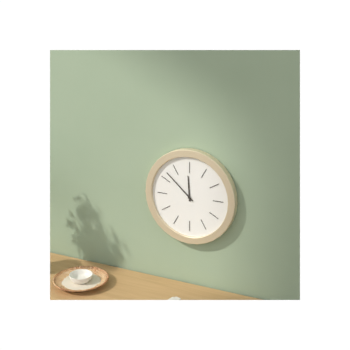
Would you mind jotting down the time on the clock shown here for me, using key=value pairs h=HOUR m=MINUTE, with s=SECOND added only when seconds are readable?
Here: h=11 m=52
